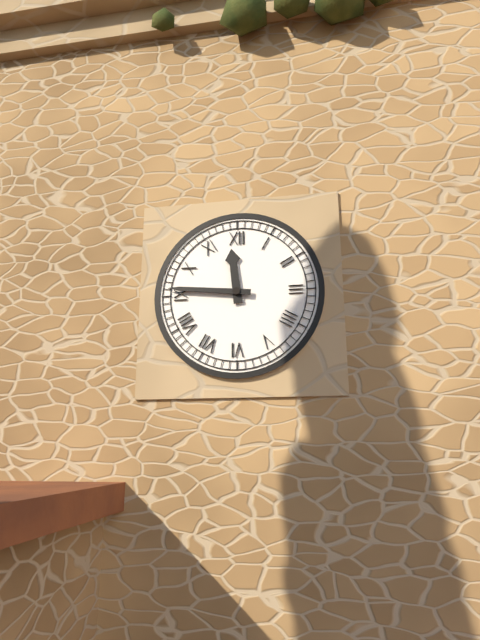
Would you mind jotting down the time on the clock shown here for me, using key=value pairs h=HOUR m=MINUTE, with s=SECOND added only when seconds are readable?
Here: h=11 m=46
